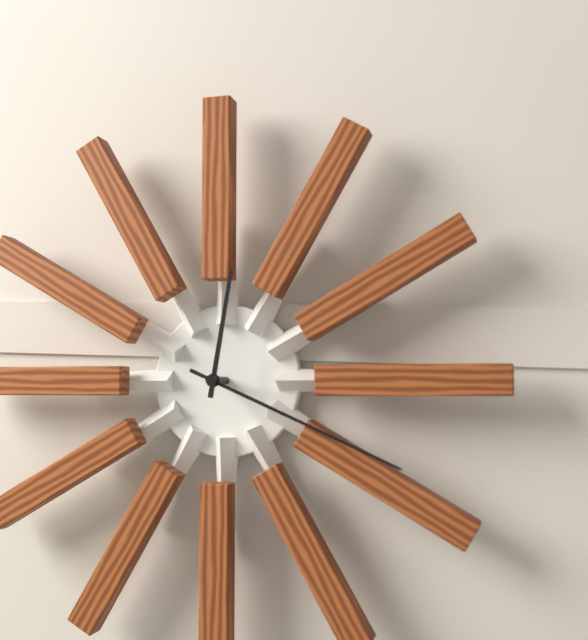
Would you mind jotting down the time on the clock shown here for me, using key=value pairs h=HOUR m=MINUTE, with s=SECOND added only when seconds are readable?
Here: h=12 m=19
